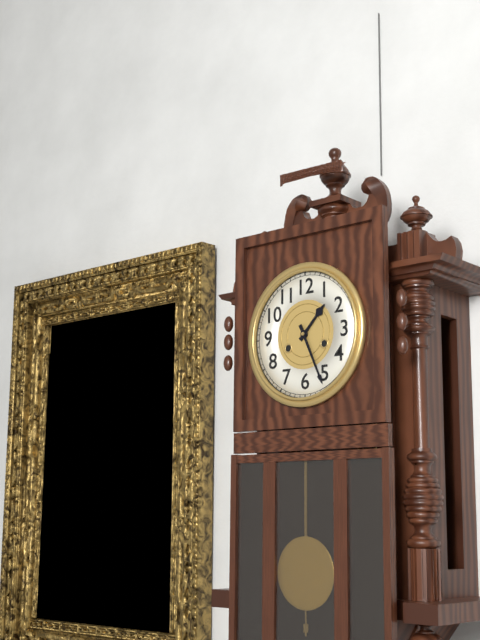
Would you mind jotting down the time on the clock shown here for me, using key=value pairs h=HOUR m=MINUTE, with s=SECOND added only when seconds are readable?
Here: h=1 m=26
